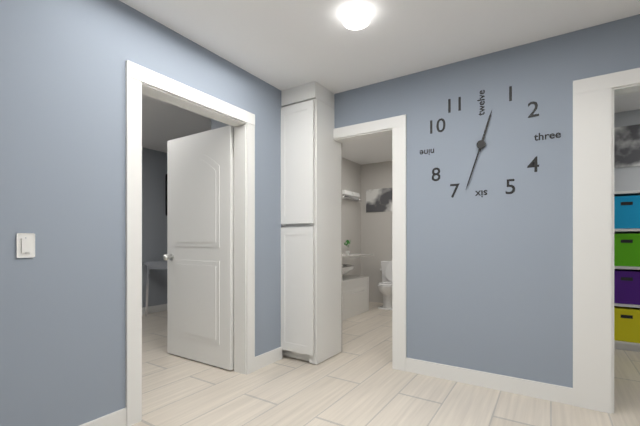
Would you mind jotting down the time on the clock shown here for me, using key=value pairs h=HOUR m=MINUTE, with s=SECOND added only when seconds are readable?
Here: h=12 m=33
